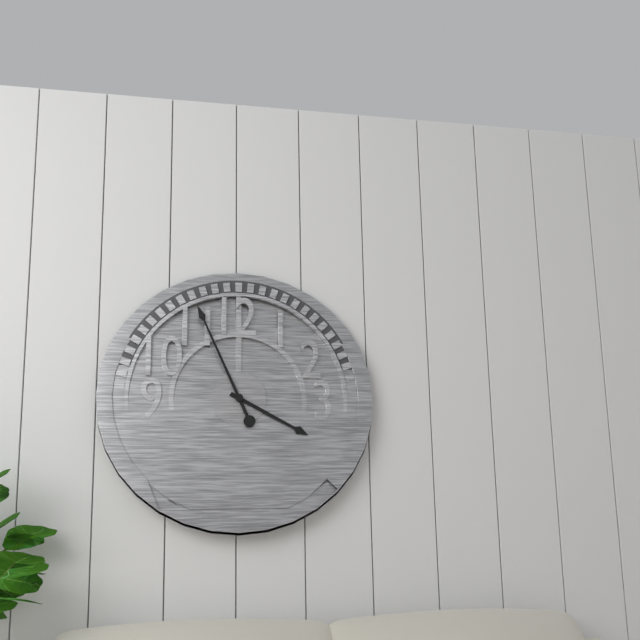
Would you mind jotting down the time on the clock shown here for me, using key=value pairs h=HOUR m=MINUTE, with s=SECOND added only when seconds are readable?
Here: h=3 m=56
